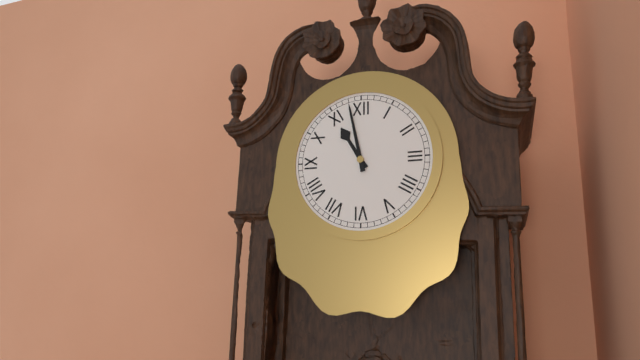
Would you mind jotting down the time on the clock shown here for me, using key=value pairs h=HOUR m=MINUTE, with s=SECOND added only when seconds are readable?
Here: h=10 m=58
